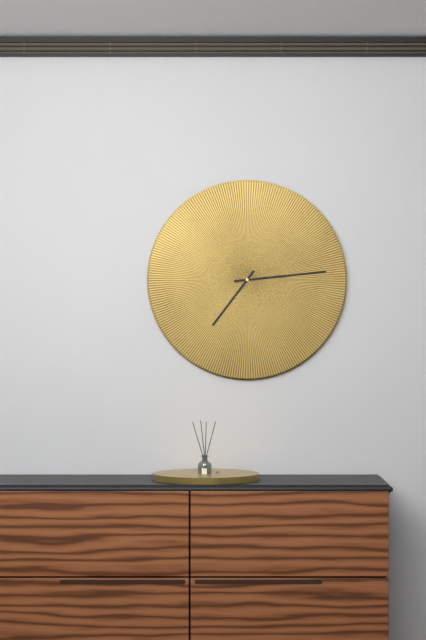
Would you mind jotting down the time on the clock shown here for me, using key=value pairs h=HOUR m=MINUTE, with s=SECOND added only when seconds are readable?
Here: h=7 m=14
